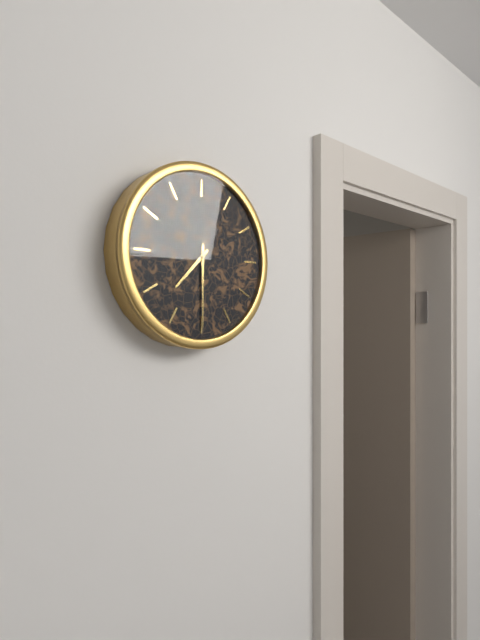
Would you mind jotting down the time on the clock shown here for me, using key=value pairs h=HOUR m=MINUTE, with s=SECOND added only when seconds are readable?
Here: h=7 m=30
